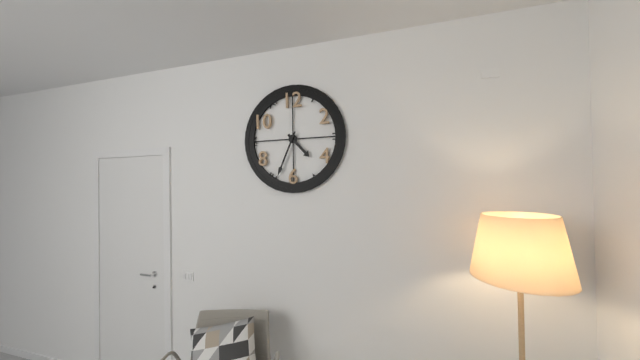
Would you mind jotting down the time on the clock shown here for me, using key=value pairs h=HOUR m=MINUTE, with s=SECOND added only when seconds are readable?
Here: h=4 m=34
